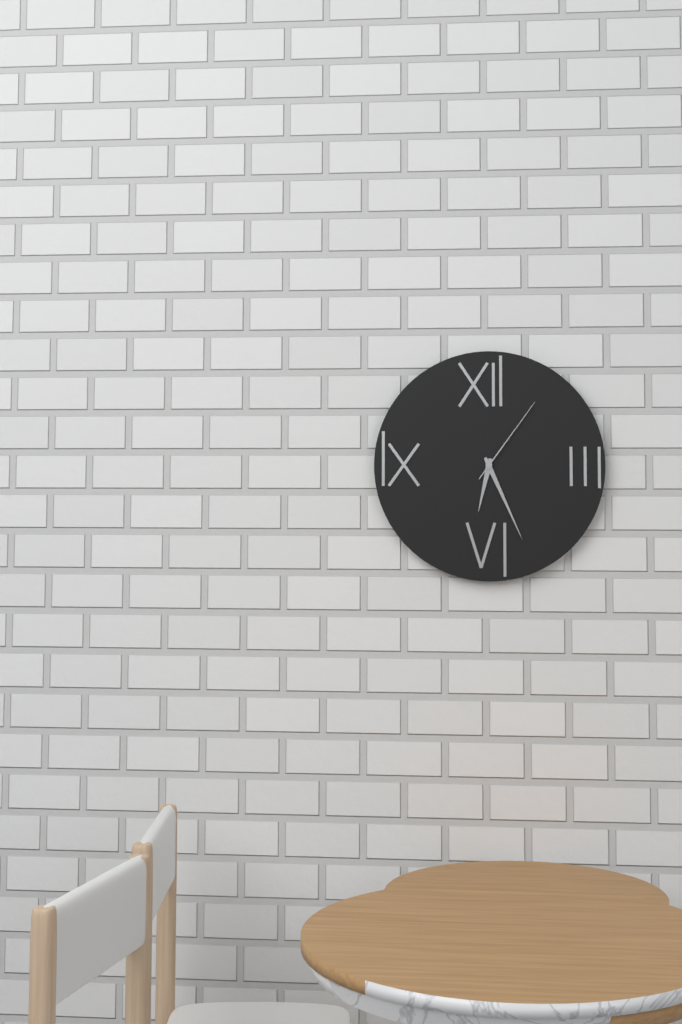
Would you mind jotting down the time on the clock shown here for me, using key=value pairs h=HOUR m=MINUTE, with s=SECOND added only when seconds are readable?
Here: h=6 m=26 s=6
